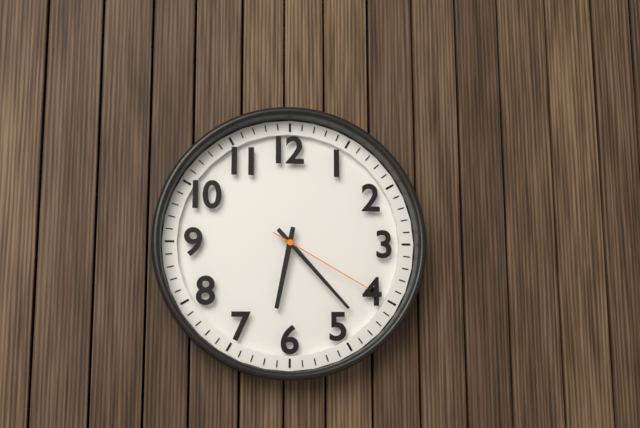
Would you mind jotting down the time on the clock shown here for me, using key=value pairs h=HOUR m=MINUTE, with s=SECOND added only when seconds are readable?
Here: h=6 m=23 s=20
